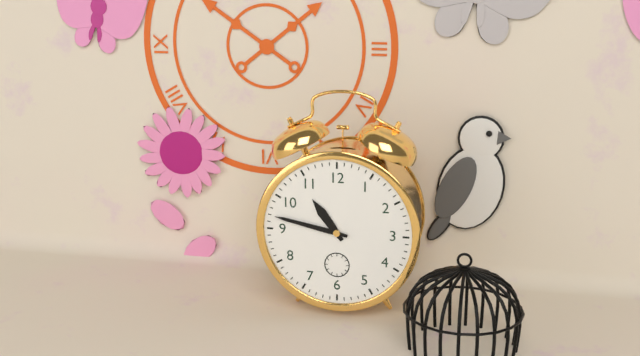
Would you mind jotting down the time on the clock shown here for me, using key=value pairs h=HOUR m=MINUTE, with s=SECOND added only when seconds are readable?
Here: h=10 m=47
